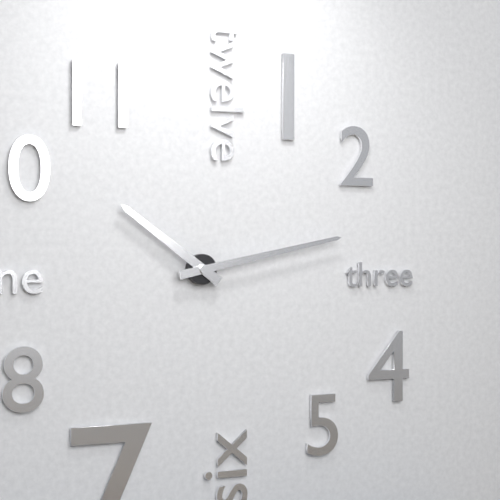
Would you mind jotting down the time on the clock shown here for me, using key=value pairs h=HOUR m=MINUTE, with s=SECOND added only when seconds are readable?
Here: h=10 m=13
